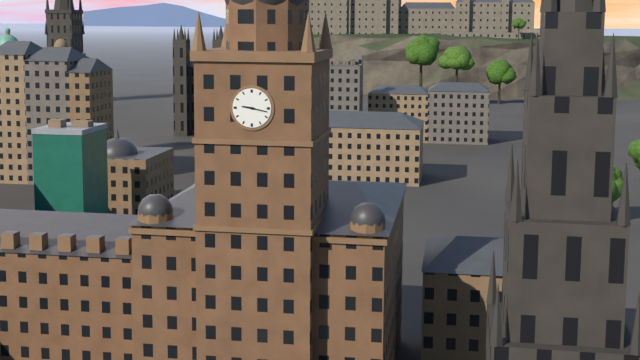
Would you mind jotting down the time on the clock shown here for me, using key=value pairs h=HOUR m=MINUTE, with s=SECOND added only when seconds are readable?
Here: h=9 m=17
